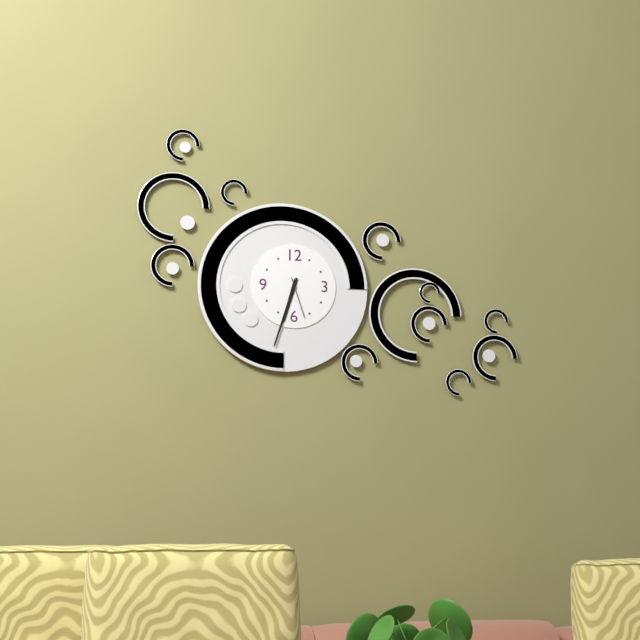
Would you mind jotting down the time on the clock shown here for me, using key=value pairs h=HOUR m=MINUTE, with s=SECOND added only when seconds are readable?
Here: h=6 m=33
